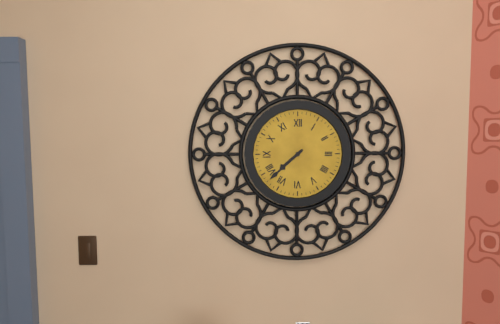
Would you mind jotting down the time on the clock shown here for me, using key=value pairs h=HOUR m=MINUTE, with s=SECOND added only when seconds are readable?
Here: h=7 m=38
